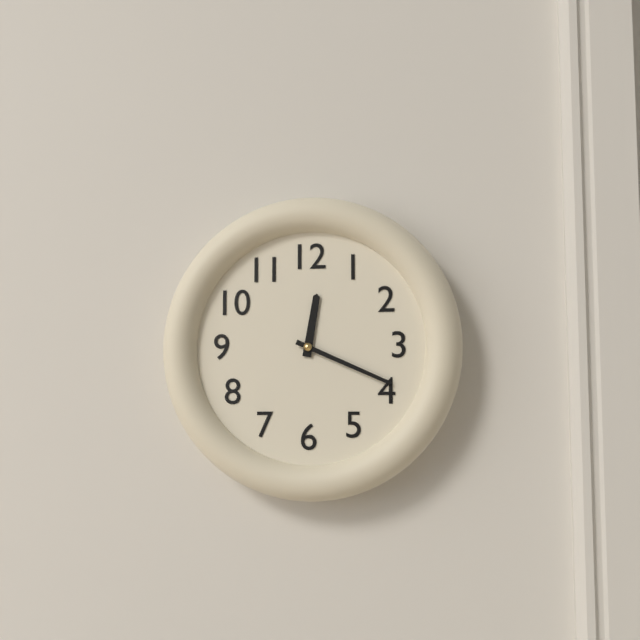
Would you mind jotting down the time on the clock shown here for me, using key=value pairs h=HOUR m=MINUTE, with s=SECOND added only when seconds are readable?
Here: h=12 m=19
